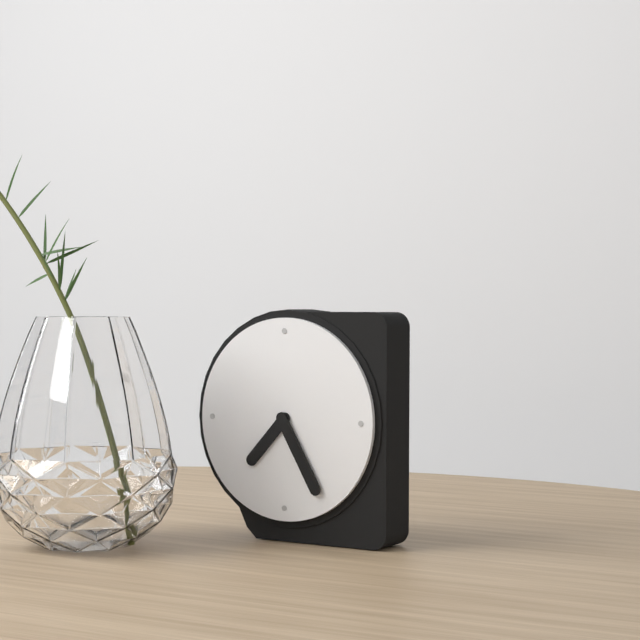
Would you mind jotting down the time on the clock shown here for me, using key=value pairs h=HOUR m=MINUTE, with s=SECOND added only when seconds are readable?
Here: h=7 m=25
